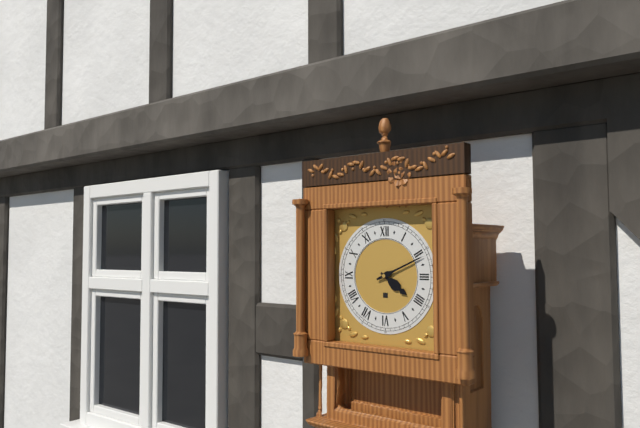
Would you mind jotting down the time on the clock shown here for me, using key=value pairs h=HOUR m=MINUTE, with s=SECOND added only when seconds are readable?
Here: h=4 m=11
